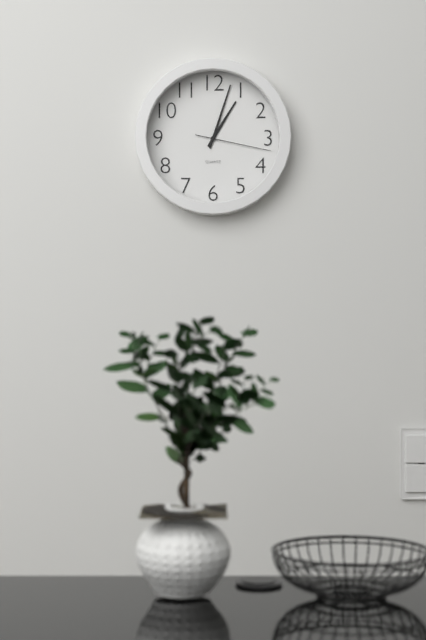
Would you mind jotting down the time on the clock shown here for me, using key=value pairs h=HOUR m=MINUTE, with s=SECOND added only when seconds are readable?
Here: h=1 m=3 s=17
